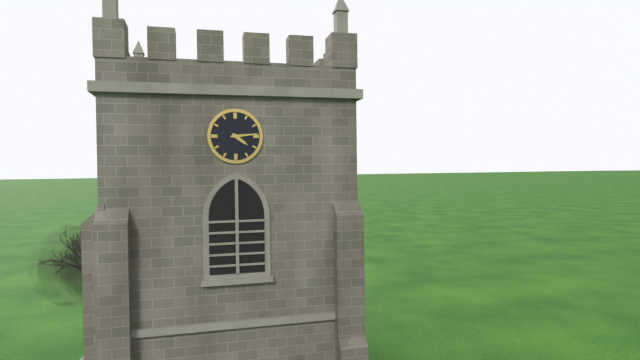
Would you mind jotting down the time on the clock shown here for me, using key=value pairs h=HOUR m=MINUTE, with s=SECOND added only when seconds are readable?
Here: h=4 m=14
